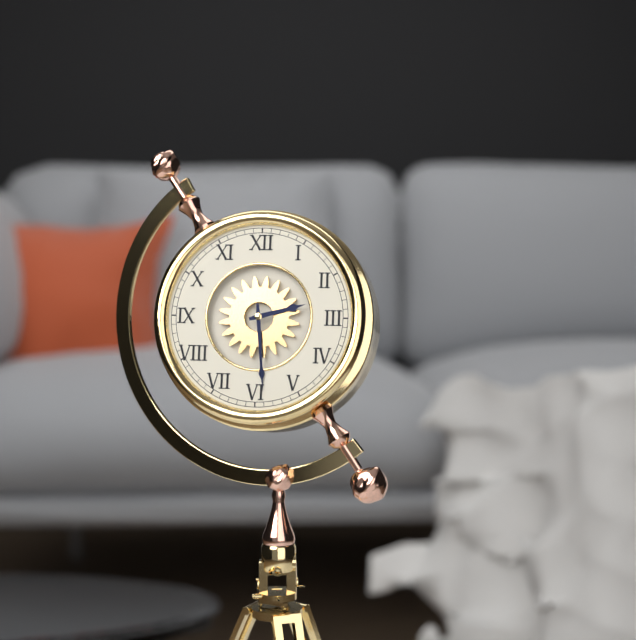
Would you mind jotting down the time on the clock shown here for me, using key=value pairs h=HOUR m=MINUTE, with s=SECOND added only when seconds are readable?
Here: h=2 m=29
